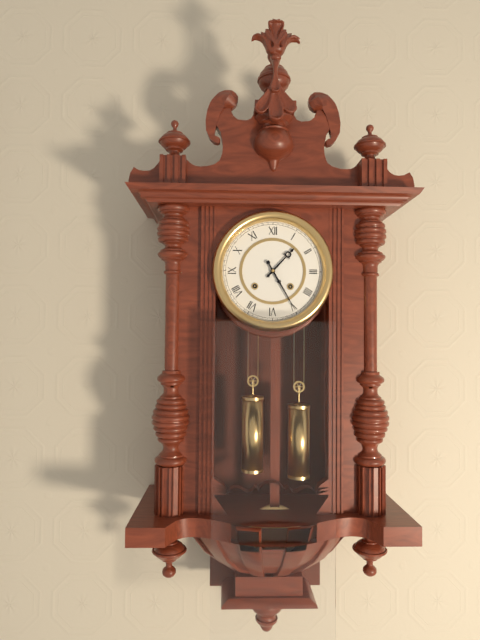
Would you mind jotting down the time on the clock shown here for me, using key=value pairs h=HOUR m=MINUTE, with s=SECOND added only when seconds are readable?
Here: h=1 m=25
